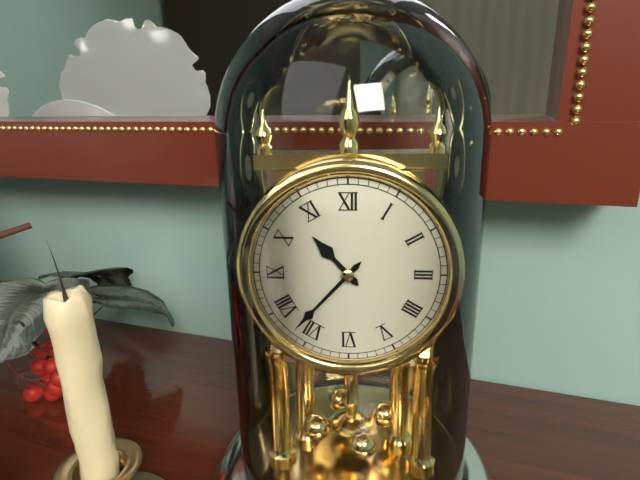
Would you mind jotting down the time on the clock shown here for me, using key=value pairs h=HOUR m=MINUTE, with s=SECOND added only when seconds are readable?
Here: h=10 m=37
